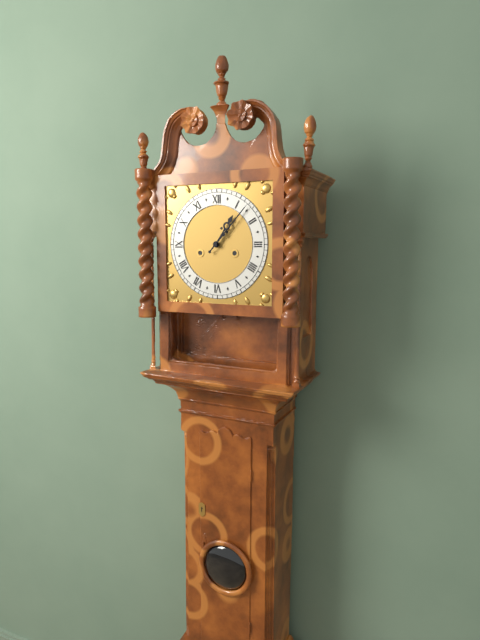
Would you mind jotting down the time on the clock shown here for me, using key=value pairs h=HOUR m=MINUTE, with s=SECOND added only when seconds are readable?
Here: h=1 m=7
